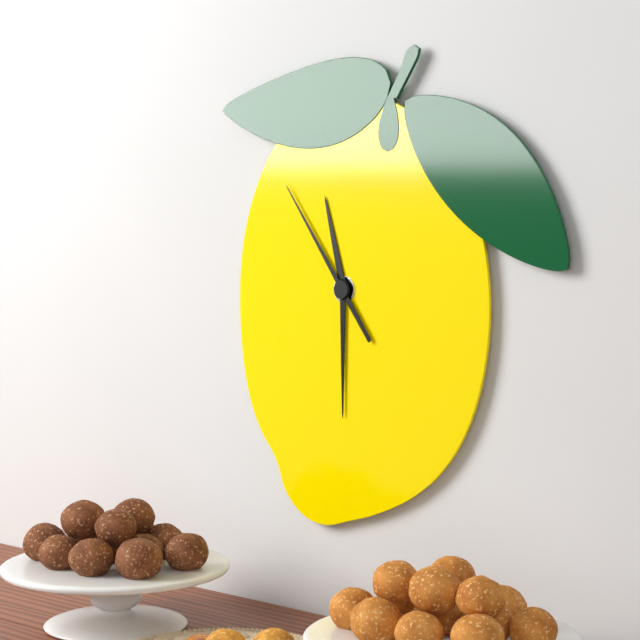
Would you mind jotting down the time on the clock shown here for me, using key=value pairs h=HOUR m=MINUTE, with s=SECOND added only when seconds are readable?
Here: h=11 m=30 s=54
